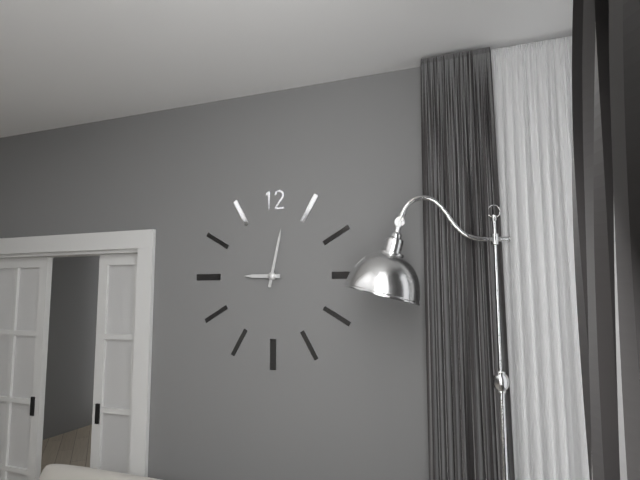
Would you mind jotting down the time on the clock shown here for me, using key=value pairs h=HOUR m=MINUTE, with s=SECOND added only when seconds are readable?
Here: h=9 m=2
